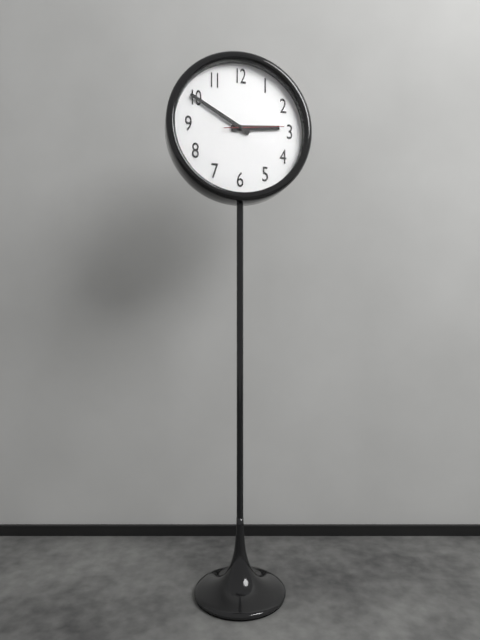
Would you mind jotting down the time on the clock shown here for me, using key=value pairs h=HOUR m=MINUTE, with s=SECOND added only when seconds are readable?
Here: h=2 m=50 s=14
